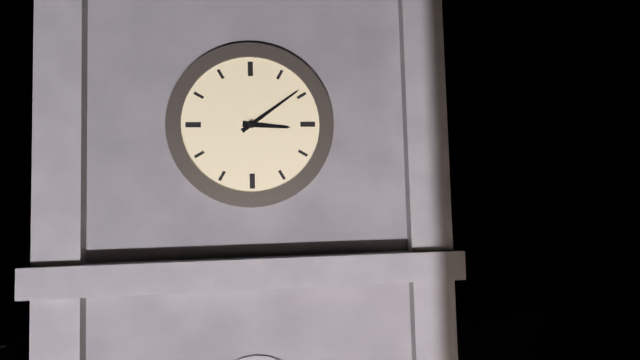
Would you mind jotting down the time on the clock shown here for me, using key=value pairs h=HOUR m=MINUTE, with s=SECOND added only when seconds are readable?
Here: h=3 m=9
